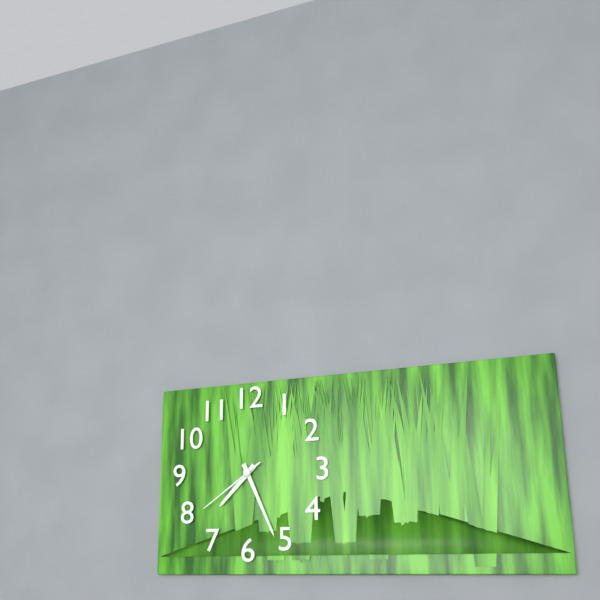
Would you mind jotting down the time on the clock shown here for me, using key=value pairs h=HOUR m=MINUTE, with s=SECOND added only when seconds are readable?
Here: h=7 m=26 s=39
